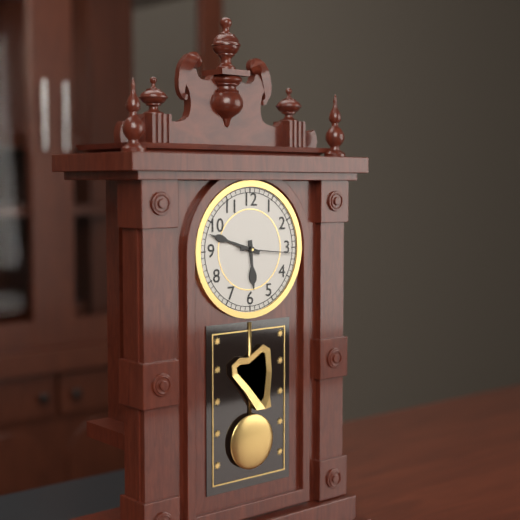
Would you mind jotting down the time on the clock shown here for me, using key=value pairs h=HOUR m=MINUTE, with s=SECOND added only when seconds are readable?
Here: h=5 m=48 s=16
